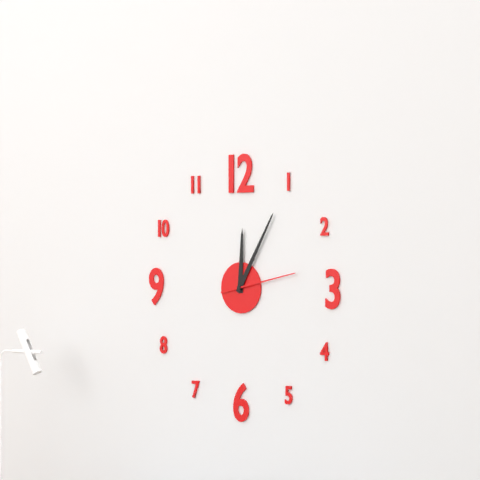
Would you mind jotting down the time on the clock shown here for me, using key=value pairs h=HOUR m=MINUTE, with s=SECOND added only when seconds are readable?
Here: h=12 m=5 s=13
